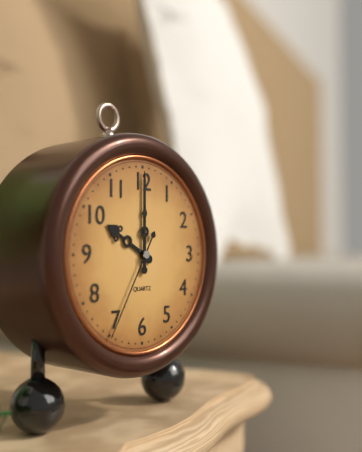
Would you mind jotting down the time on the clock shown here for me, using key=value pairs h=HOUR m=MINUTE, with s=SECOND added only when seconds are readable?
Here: h=10 m=0 s=35
